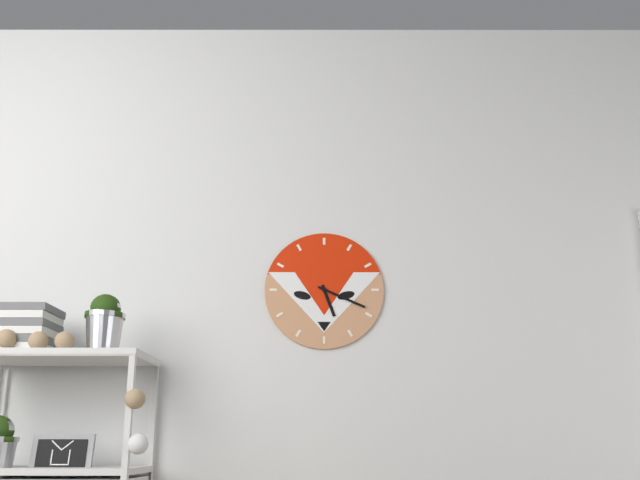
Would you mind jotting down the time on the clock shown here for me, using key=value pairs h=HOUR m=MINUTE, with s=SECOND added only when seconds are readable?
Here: h=5 m=19
